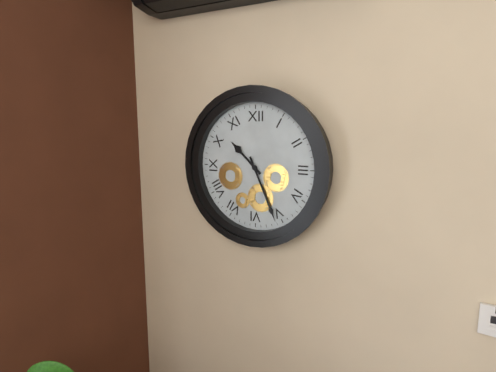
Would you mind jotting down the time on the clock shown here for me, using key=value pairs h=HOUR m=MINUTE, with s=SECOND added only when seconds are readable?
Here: h=10 m=26
